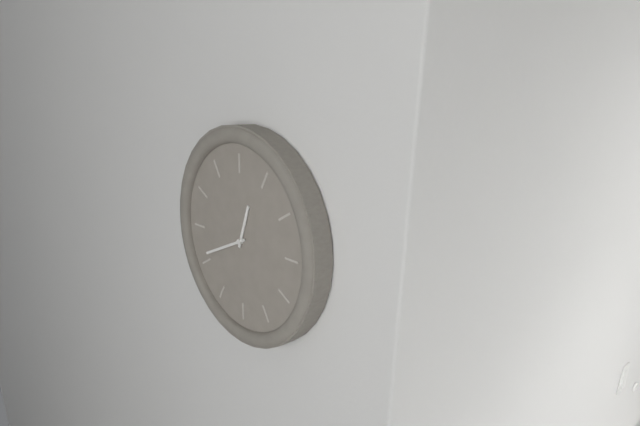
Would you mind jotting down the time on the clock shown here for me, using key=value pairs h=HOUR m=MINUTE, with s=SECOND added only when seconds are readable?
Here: h=12 m=41
